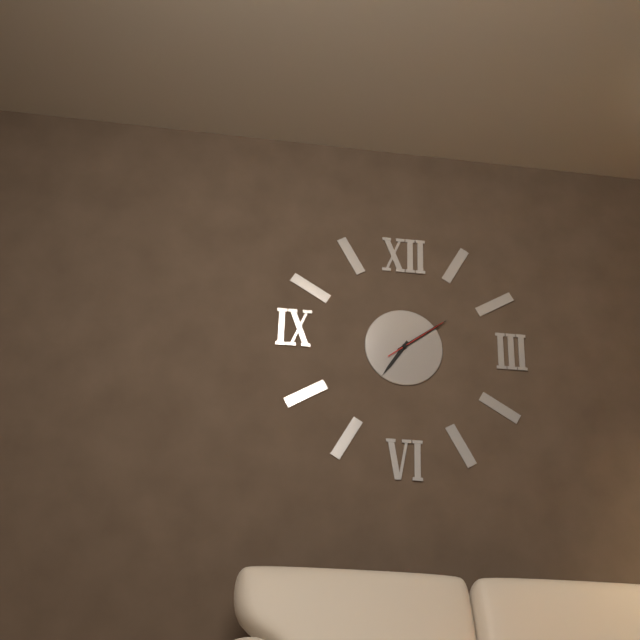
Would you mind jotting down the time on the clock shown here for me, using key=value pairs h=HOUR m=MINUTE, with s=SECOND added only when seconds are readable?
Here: h=7 m=9 s=9
